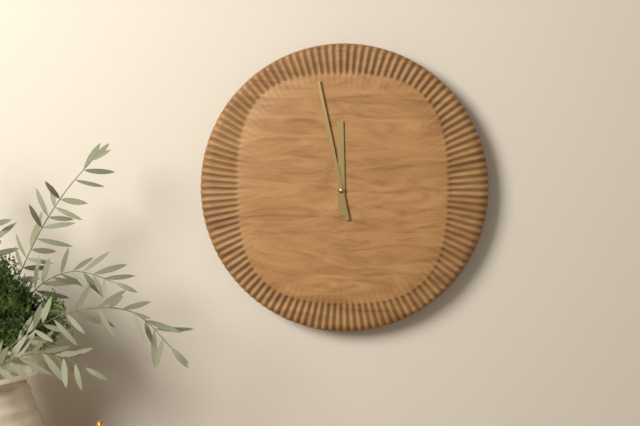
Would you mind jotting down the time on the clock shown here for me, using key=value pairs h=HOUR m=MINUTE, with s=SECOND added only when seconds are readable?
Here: h=11 m=58
